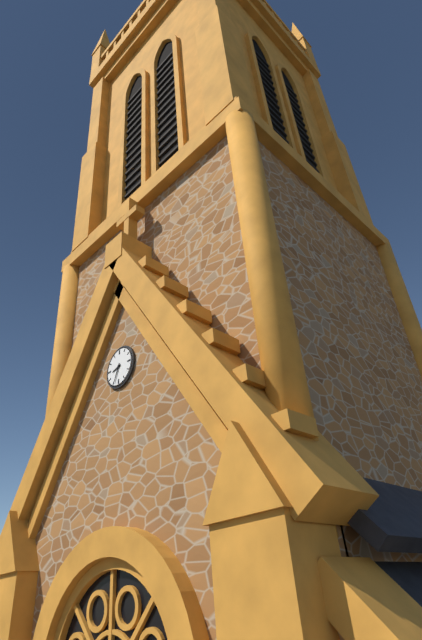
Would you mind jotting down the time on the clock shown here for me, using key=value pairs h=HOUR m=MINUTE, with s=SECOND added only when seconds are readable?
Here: h=8 m=34
